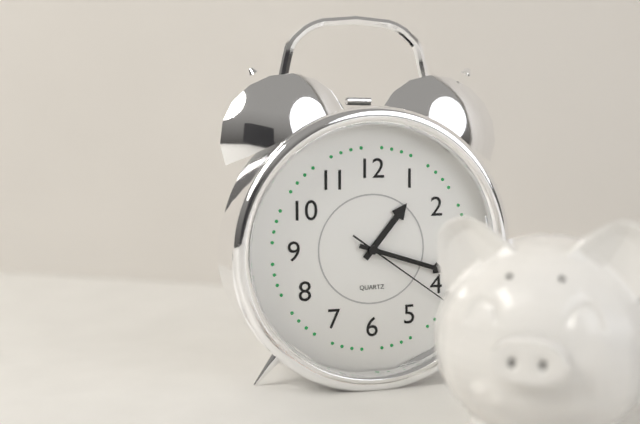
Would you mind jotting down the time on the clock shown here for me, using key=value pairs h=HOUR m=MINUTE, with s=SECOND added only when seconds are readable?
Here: h=1 m=18 s=21
